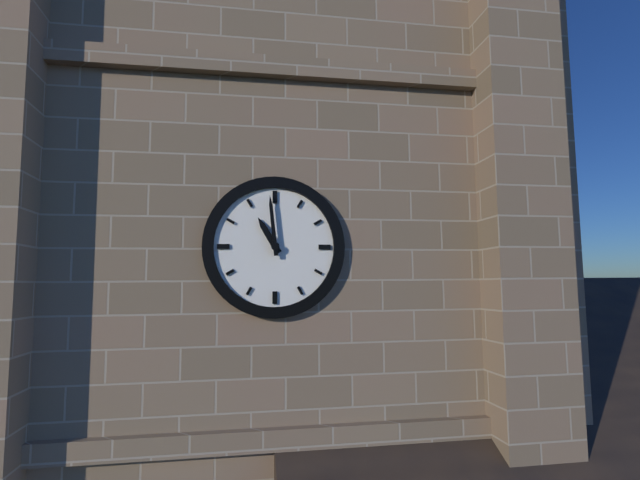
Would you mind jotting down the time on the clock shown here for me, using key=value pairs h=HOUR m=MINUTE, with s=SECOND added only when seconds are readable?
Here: h=10 m=59
